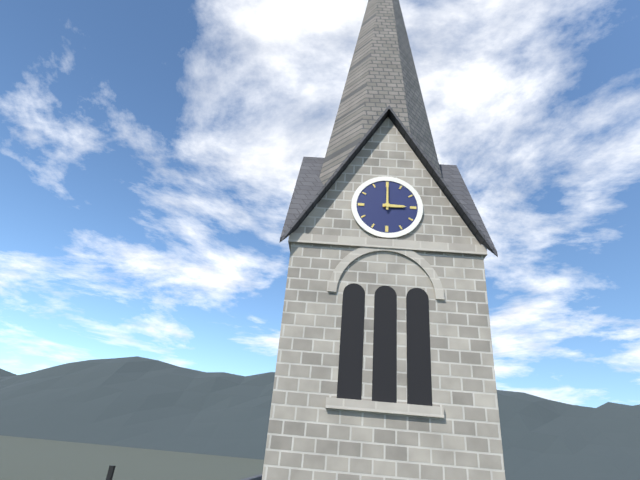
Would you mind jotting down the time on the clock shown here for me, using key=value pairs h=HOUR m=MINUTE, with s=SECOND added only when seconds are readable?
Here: h=3 m=0
